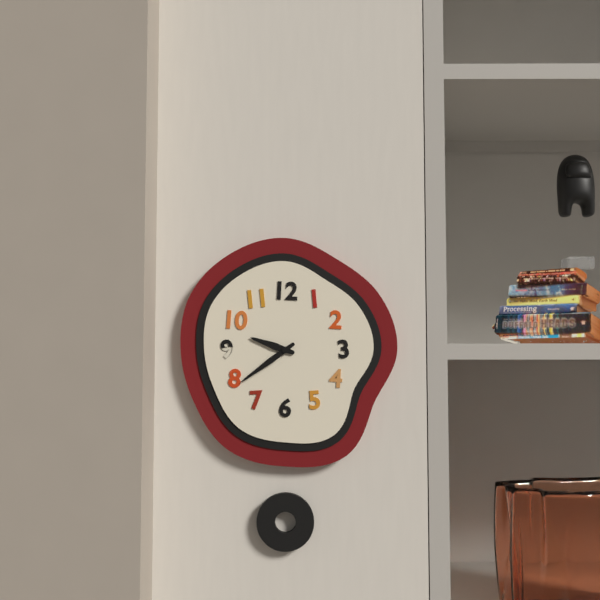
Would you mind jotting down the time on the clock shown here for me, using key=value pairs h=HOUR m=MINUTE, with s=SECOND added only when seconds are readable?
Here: h=9 m=39
